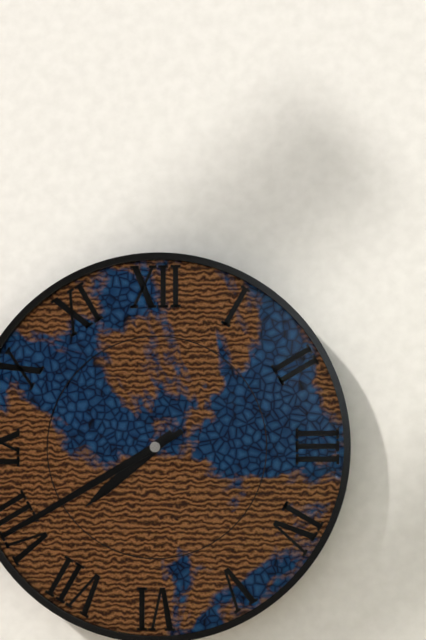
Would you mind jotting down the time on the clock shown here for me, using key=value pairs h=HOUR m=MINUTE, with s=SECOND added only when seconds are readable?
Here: h=7 m=40
